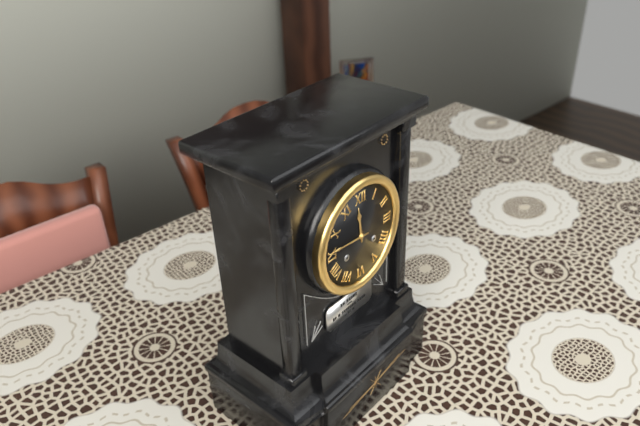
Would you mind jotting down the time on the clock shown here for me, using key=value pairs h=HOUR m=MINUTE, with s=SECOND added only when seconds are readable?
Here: h=11 m=46
